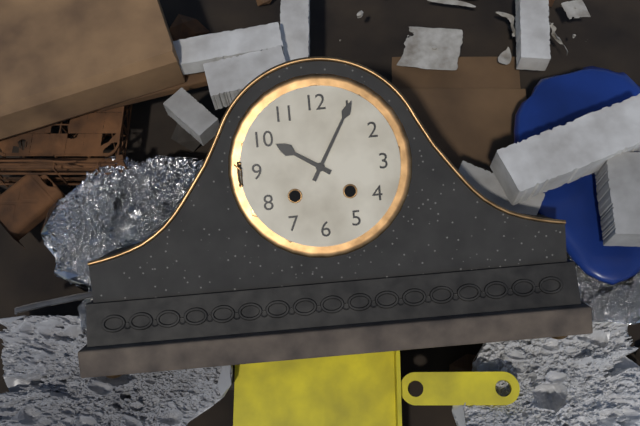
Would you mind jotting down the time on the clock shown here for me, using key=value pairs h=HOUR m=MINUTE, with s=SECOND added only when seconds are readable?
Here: h=10 m=5
